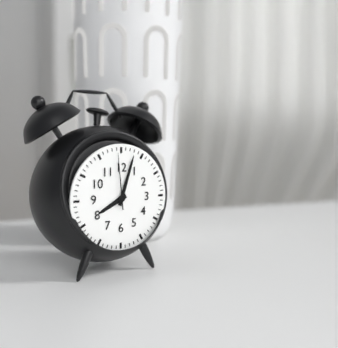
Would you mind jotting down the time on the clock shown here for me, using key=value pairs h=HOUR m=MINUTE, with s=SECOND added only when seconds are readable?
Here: h=8 m=3 s=59
